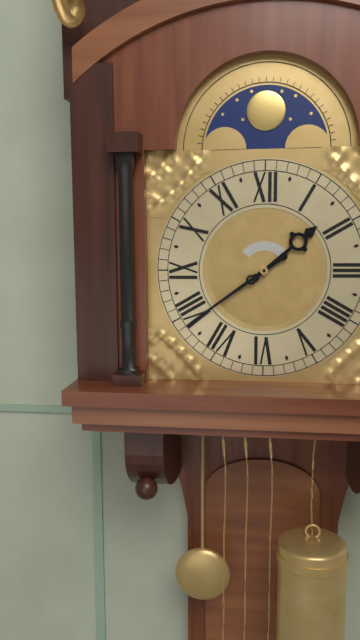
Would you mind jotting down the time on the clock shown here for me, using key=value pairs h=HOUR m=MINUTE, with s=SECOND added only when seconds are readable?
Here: h=1 m=39
